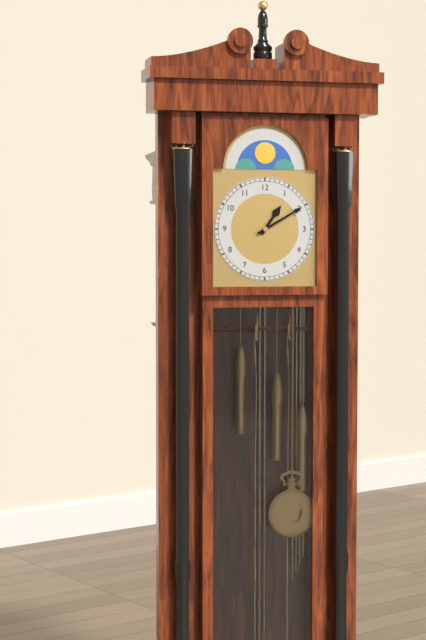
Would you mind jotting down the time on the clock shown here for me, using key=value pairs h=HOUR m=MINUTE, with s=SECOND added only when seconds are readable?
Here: h=1 m=10
